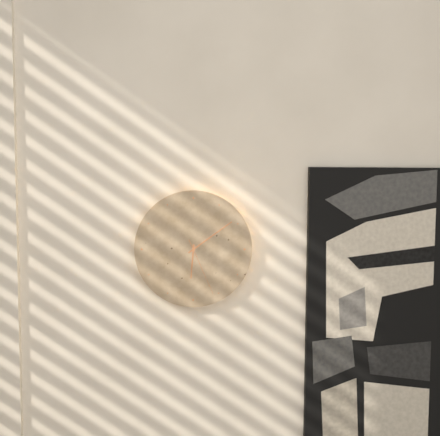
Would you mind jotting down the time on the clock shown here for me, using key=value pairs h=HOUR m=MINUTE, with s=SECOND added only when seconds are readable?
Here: h=6 m=9 s=26
